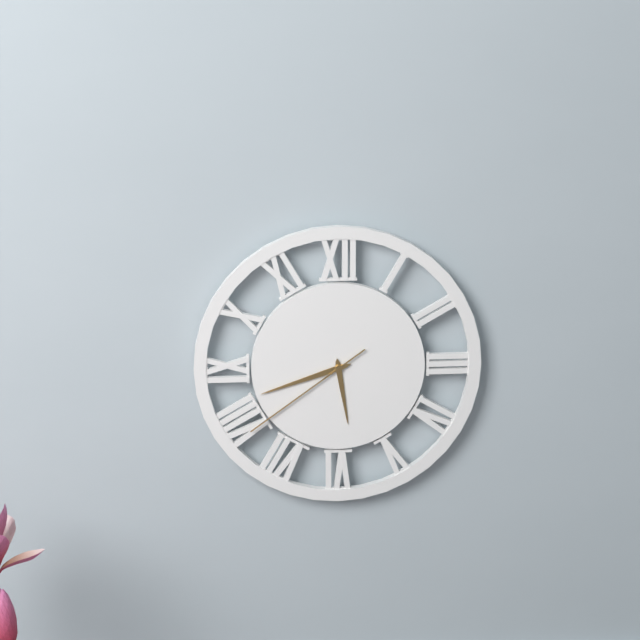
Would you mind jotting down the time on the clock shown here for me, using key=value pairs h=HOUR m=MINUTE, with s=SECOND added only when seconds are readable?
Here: h=5 m=42 s=39
